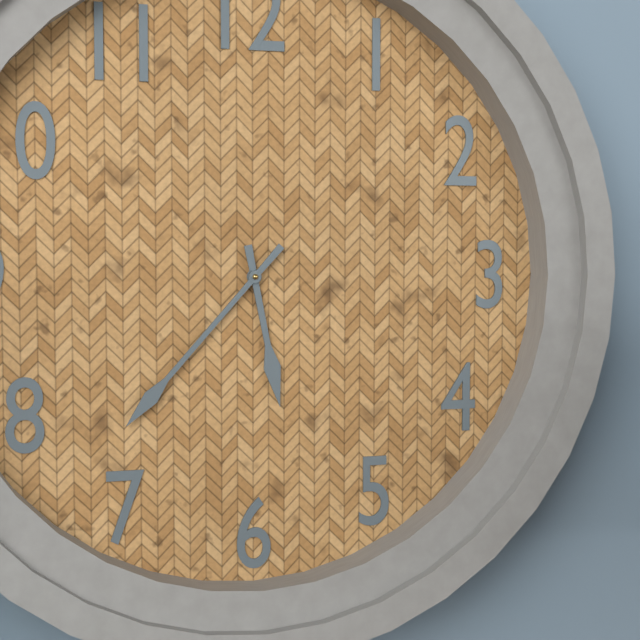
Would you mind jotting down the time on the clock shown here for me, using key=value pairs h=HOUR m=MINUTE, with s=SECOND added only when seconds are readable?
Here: h=5 m=37
